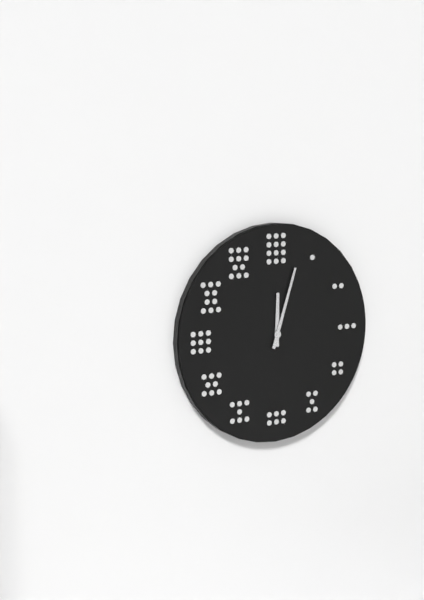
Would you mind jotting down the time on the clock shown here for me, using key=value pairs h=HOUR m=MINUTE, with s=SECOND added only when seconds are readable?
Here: h=12 m=3
